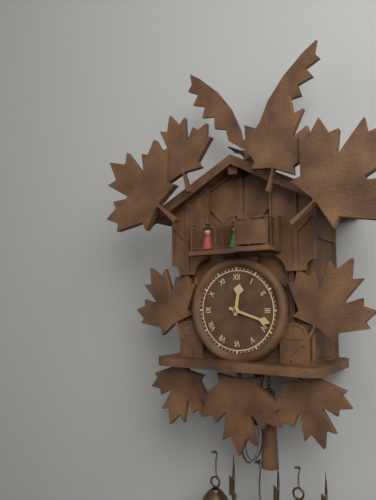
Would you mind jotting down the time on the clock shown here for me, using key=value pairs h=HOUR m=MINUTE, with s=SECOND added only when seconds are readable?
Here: h=12 m=18
